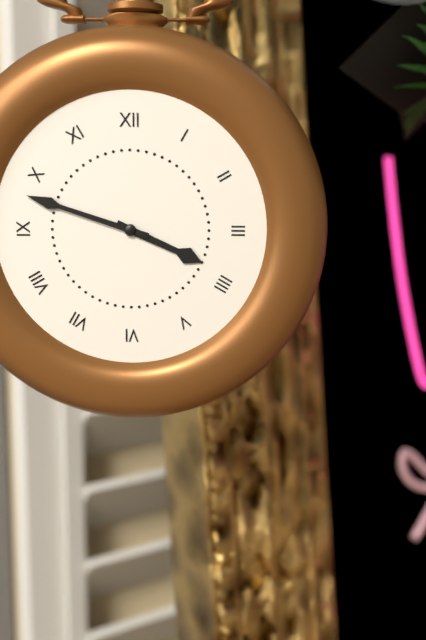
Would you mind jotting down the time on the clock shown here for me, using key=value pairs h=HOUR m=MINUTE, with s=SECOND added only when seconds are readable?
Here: h=3 m=48
